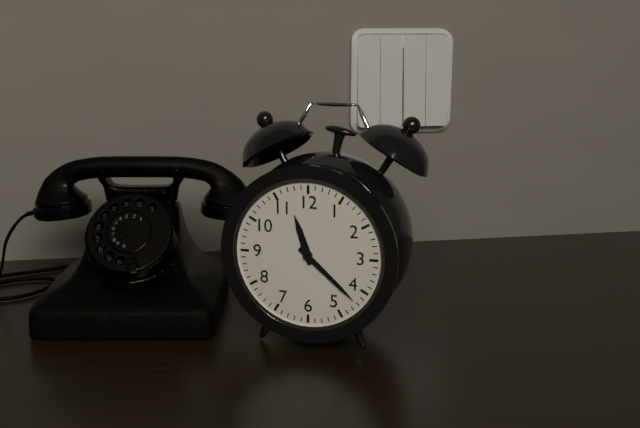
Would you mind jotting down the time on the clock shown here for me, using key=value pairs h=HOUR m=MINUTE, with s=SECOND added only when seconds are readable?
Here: h=11 m=22
